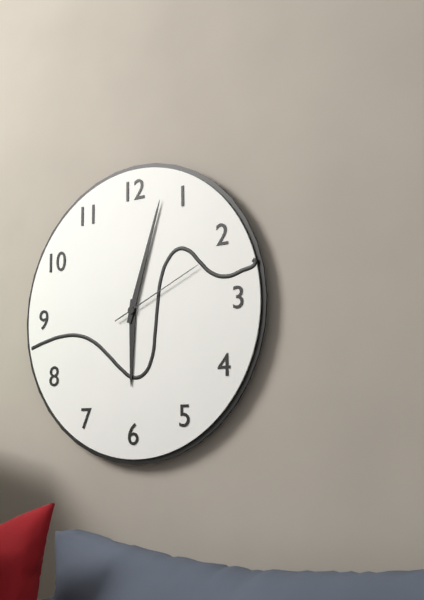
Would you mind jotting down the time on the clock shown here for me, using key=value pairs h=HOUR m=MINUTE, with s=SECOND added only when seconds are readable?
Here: h=6 m=3 s=11
